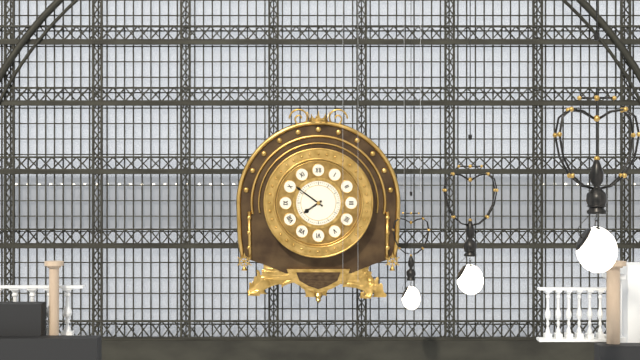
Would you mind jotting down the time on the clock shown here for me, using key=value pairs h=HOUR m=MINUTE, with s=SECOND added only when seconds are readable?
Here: h=7 m=51
